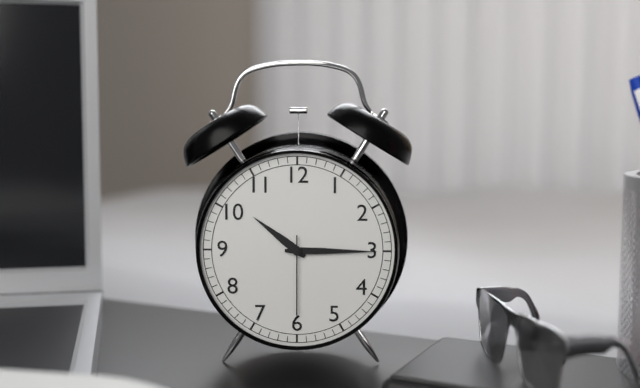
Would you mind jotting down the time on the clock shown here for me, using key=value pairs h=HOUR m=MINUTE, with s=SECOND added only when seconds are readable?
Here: h=10 m=15 s=30
